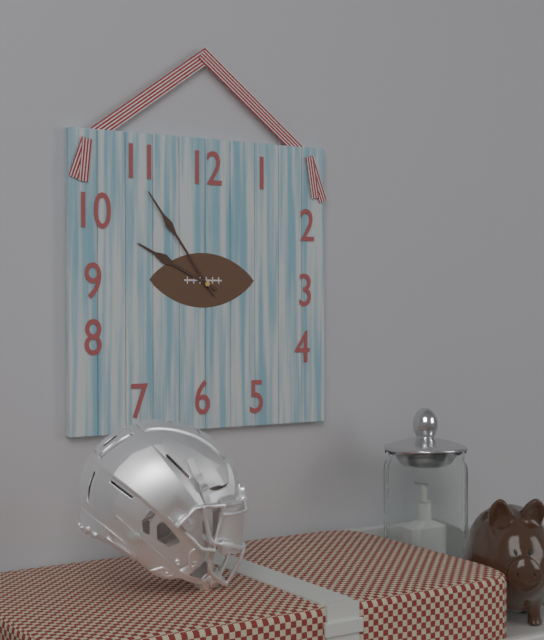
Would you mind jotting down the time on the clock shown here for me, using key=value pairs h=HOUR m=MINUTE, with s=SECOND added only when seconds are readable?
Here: h=9 m=54
